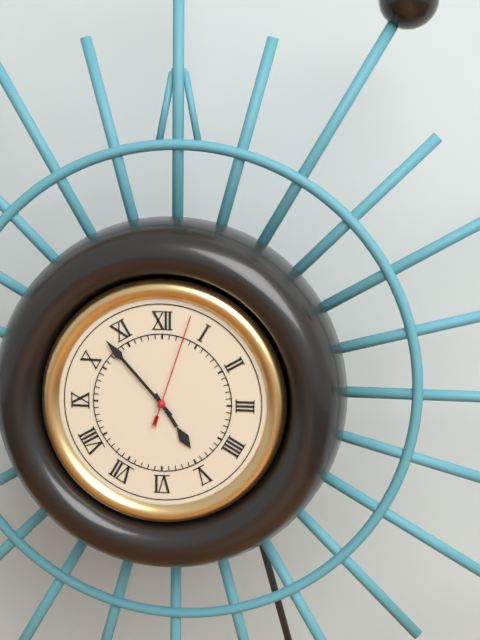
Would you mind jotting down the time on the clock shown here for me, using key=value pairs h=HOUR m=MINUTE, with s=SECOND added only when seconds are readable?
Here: h=4 m=53 s=3
